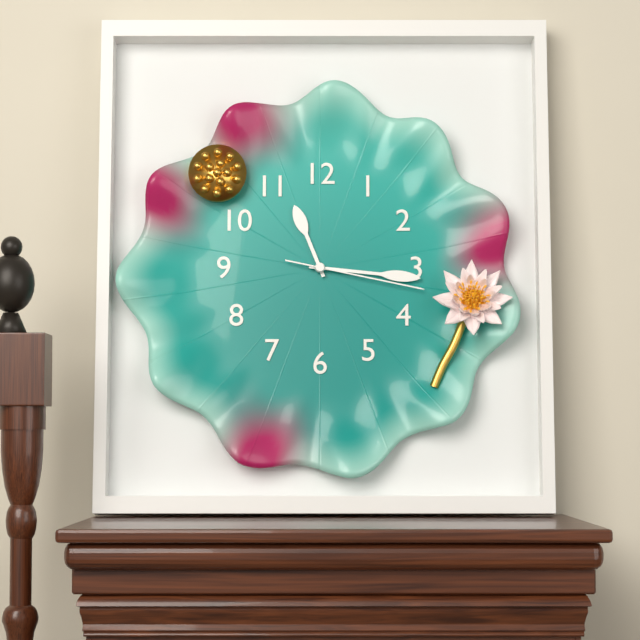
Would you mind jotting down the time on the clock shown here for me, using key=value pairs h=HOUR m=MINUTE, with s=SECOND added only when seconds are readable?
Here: h=11 m=16 s=17
